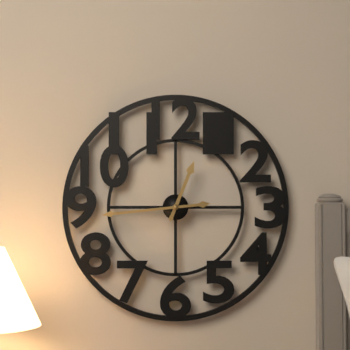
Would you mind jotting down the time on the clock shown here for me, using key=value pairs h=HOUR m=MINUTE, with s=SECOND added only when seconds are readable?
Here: h=12 m=44
